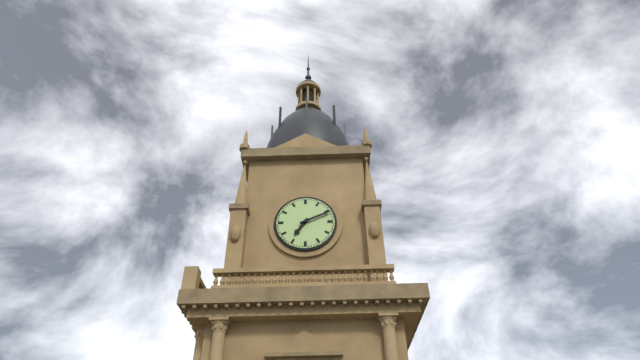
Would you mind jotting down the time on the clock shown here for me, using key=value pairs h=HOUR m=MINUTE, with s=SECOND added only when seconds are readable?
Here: h=7 m=11
